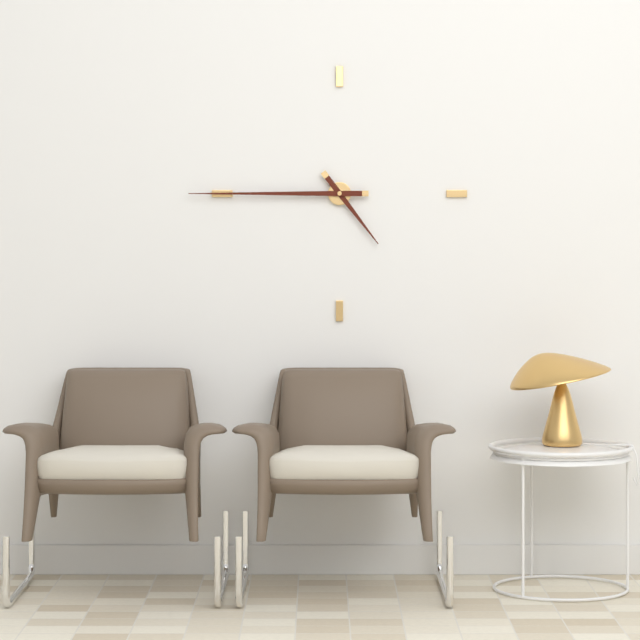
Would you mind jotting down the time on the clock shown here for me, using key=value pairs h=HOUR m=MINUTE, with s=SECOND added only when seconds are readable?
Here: h=4 m=45
